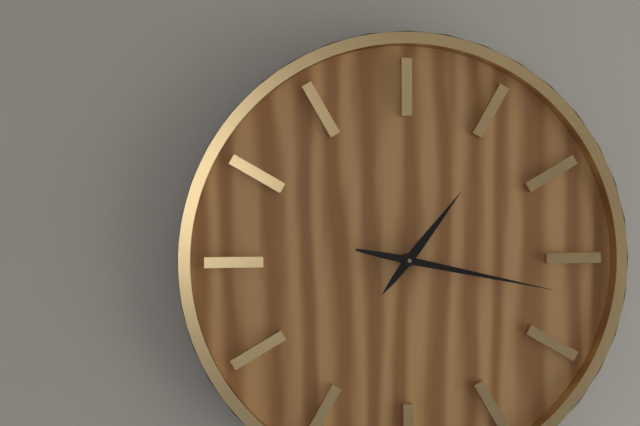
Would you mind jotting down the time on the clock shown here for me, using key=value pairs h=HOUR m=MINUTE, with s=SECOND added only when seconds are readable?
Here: h=1 m=17
